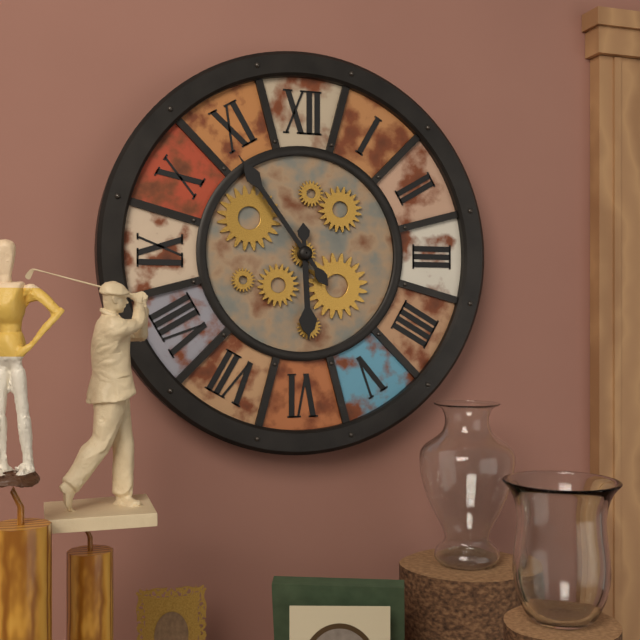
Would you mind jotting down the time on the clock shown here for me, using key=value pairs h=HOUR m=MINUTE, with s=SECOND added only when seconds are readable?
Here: h=5 m=54
